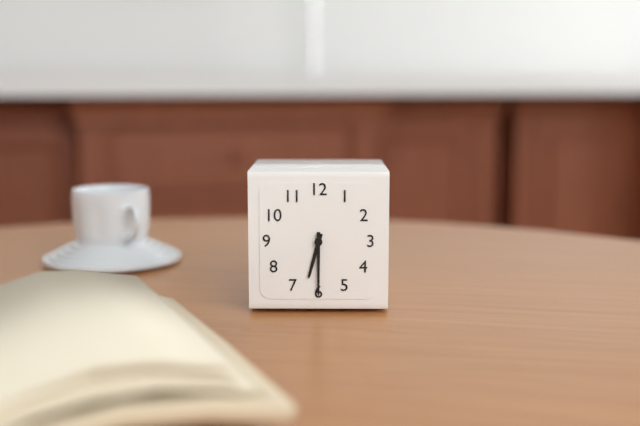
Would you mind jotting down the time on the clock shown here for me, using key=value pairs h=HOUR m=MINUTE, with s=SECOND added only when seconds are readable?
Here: h=6 m=30
